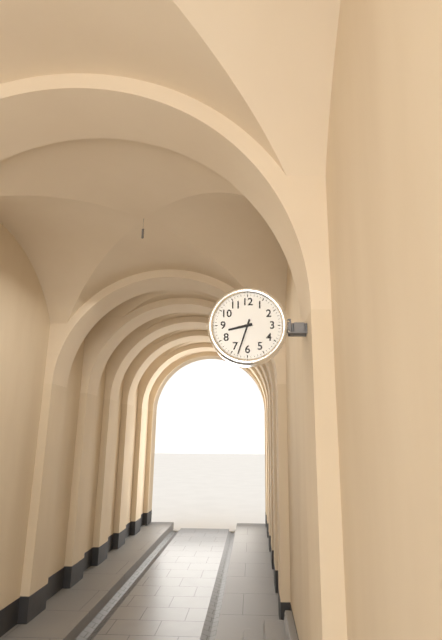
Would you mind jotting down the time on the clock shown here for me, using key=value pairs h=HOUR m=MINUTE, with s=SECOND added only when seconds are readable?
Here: h=8 m=33
